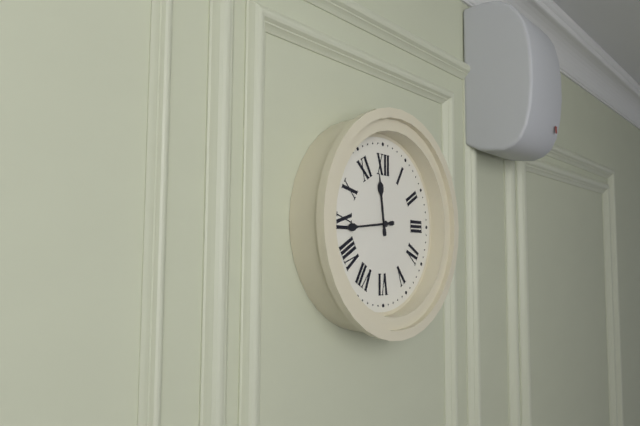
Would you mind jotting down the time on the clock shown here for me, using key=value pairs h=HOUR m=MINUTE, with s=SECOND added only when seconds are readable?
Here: h=11 m=44
